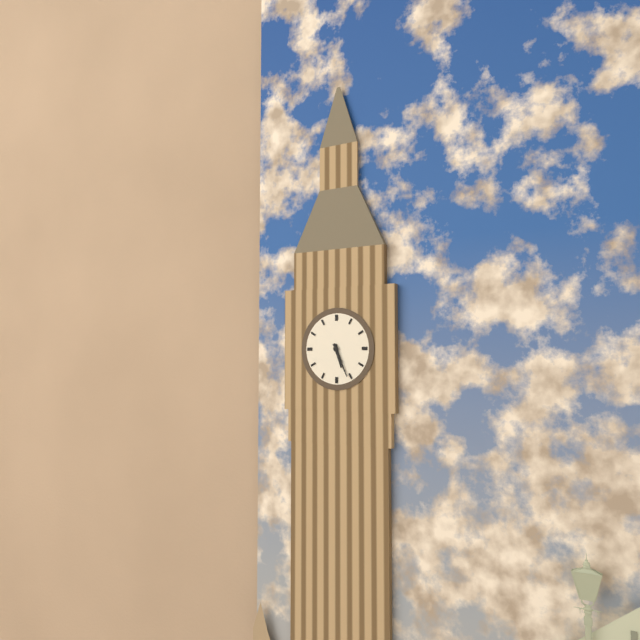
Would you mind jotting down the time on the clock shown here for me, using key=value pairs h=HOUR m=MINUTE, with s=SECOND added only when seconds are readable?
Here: h=5 m=26
